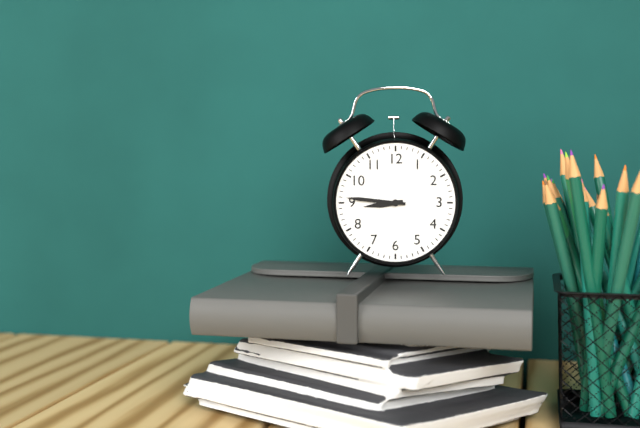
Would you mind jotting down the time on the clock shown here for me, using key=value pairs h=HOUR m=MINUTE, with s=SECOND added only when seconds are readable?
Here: h=8 m=46
